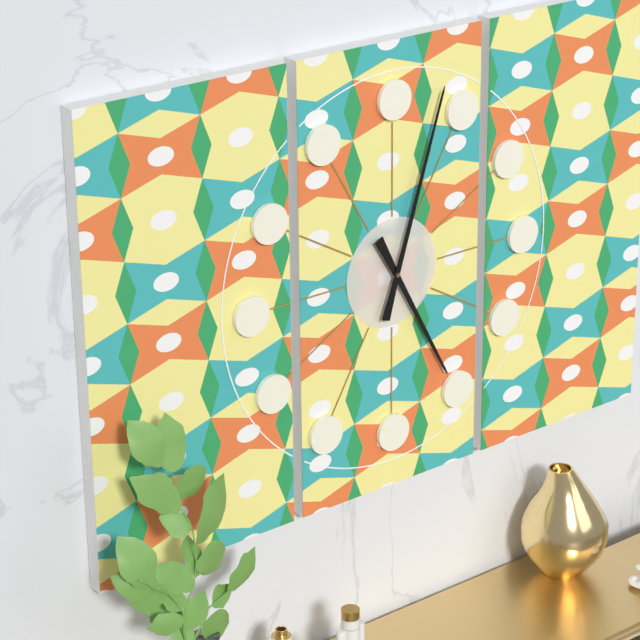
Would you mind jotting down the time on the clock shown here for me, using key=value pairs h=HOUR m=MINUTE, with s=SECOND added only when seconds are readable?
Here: h=5 m=3
